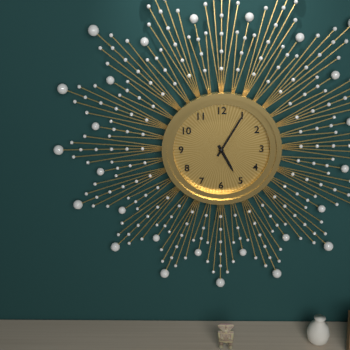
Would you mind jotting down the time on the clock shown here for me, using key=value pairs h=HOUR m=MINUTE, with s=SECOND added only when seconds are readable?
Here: h=5 m=5
